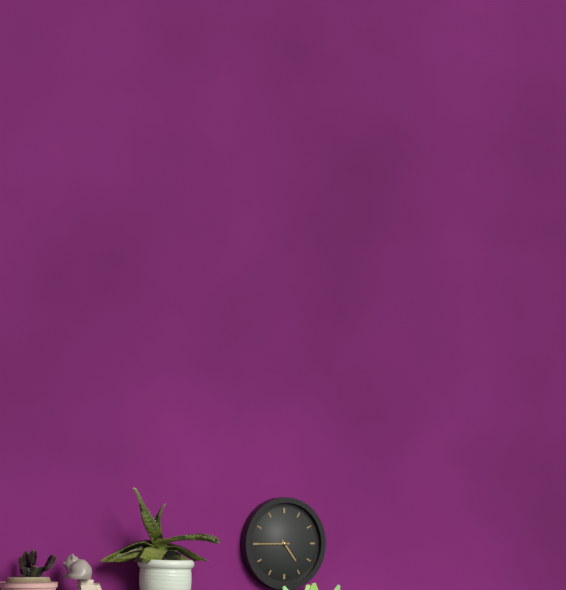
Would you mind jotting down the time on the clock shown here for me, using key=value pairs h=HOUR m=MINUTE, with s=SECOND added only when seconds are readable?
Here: h=4 m=45
